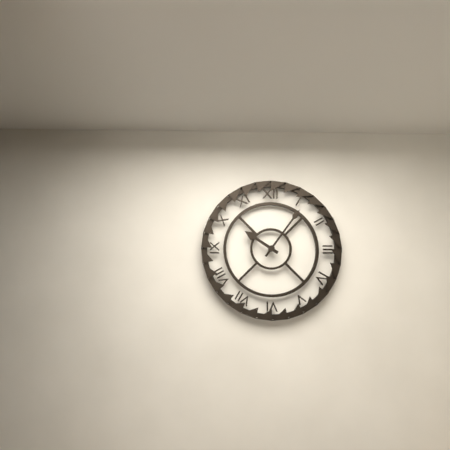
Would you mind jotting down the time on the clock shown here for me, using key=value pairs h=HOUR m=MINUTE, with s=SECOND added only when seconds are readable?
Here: h=10 m=6
